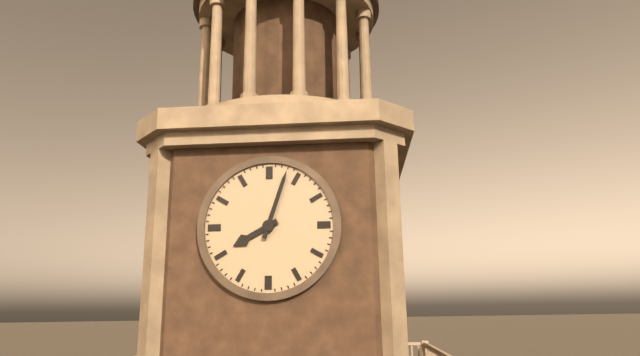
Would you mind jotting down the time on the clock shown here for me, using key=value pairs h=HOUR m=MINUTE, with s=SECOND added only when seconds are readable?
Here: h=8 m=3
